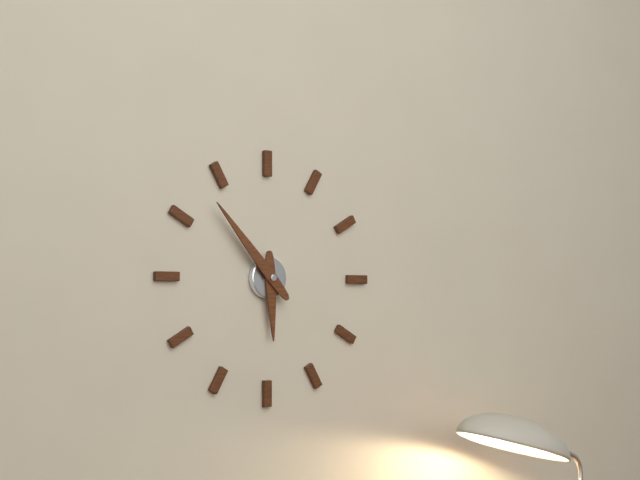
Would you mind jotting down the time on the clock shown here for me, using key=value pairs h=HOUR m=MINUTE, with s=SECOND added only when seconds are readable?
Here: h=5 m=53
